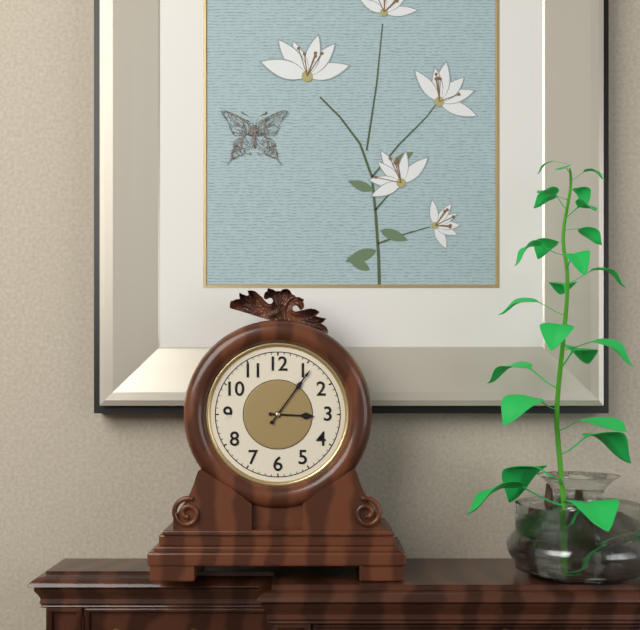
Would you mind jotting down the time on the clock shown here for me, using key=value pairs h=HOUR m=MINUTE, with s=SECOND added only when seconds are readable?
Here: h=3 m=6
